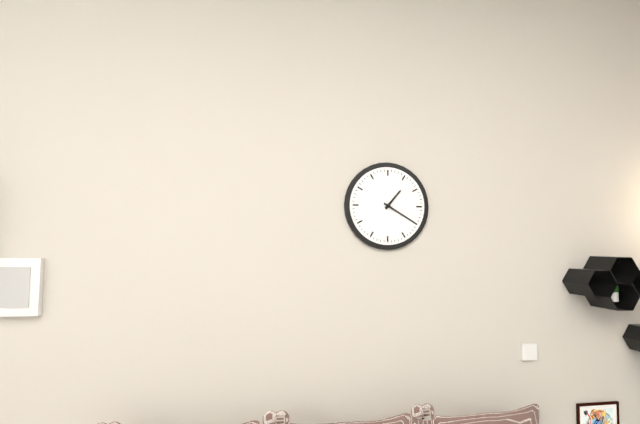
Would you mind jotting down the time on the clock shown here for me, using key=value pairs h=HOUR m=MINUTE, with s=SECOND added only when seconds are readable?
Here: h=1 m=20
